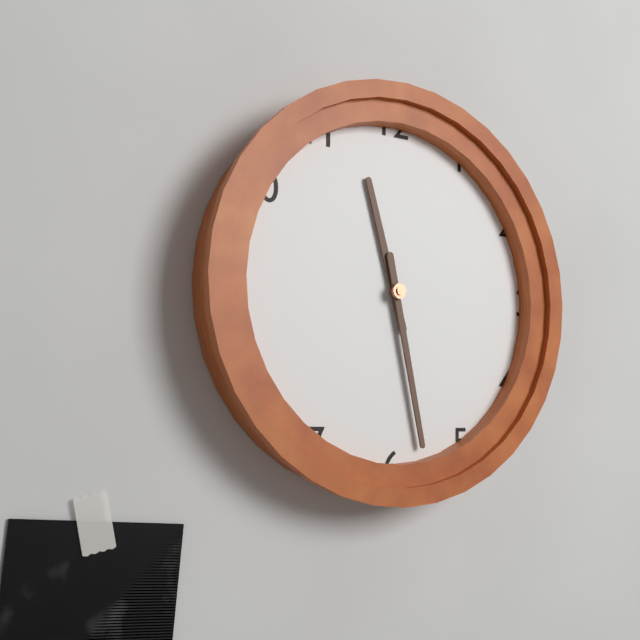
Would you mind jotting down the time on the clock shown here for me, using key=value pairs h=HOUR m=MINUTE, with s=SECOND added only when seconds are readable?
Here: h=11 m=28
